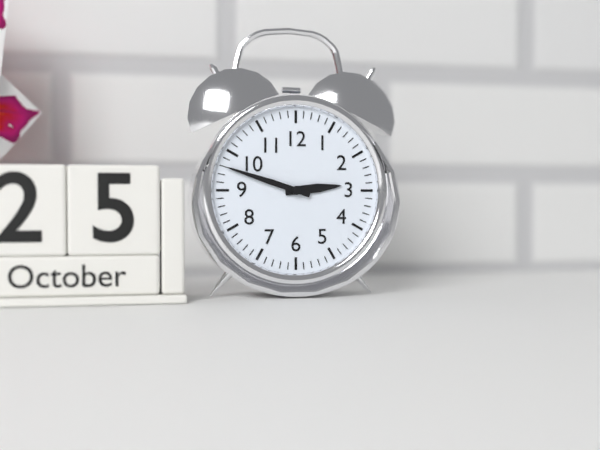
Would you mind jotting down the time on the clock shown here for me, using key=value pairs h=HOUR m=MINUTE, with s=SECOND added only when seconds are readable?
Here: h=2 m=48
